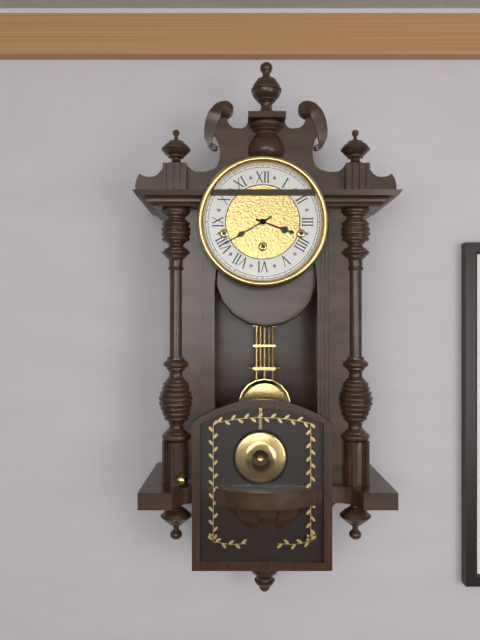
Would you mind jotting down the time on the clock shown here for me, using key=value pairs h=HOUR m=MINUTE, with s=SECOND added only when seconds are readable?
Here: h=3 m=40
